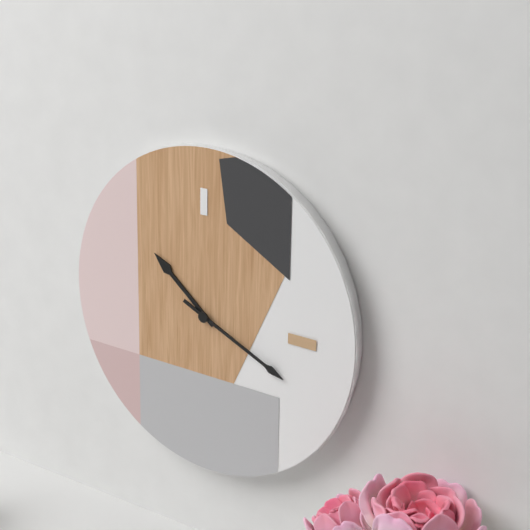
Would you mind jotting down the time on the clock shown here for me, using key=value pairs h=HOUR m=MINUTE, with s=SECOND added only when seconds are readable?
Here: h=10 m=19
